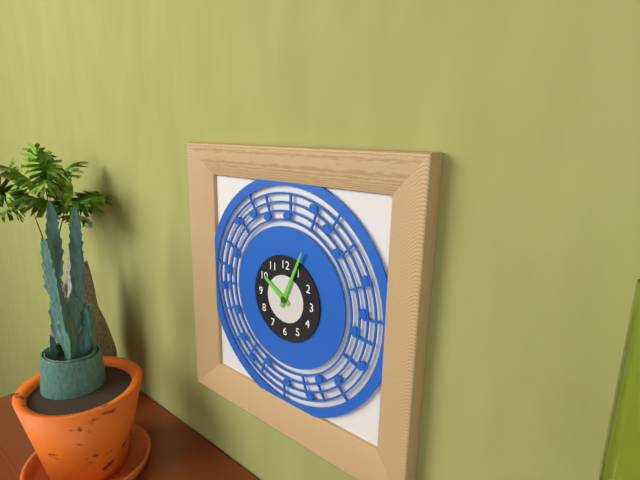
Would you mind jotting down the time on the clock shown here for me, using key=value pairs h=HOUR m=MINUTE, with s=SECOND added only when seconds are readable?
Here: h=10 m=4
